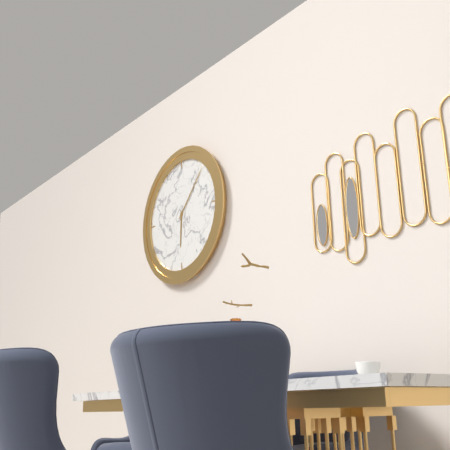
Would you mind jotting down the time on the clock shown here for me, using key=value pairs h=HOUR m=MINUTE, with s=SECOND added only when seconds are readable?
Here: h=6 m=7
